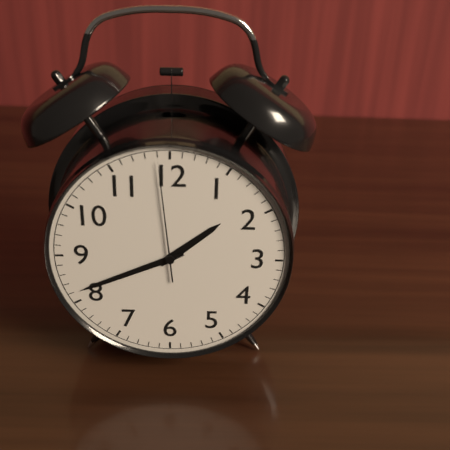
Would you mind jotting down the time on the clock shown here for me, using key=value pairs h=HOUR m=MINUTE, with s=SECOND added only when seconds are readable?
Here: h=1 m=41 s=59
